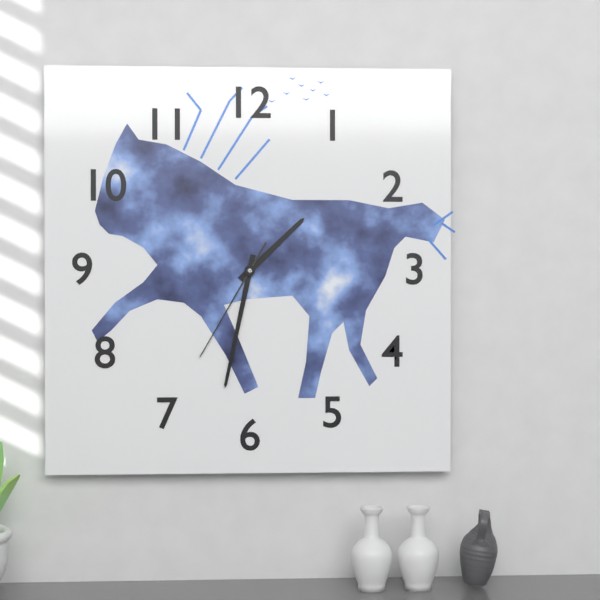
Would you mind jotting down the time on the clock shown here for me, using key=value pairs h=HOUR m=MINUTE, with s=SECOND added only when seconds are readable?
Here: h=1 m=32 s=35
